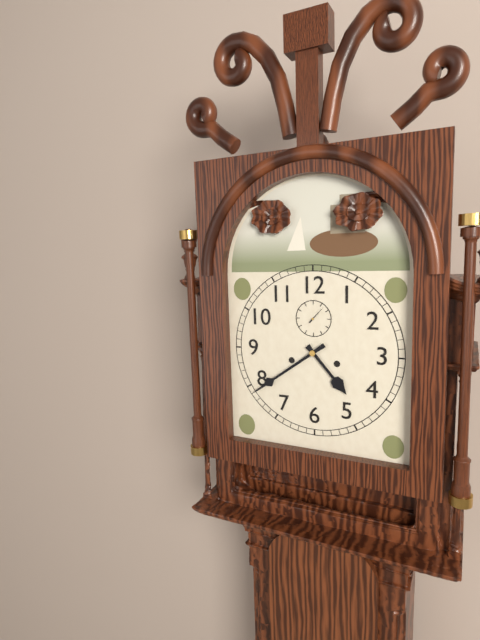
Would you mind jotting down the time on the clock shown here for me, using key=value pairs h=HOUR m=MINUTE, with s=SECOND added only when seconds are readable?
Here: h=4 m=39
